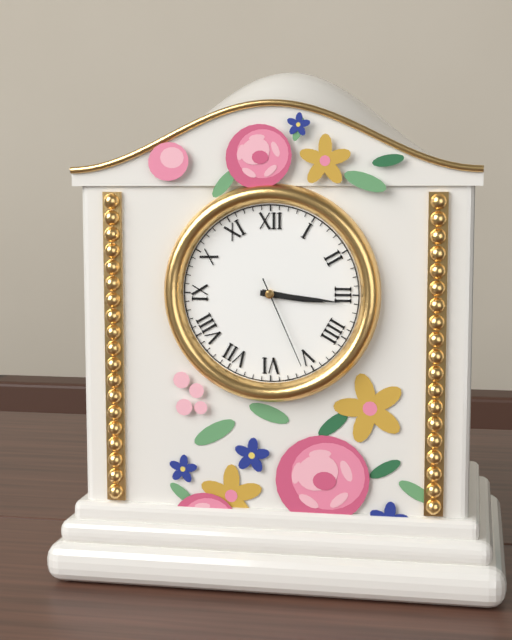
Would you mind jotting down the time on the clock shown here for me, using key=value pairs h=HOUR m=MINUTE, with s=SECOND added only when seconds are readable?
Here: h=3 m=16 s=26
